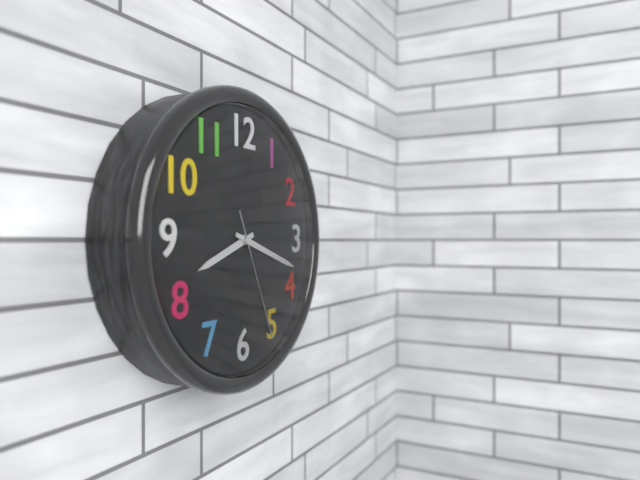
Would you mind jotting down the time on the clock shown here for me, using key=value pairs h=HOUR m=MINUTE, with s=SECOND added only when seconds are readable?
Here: h=8 m=18 s=26
